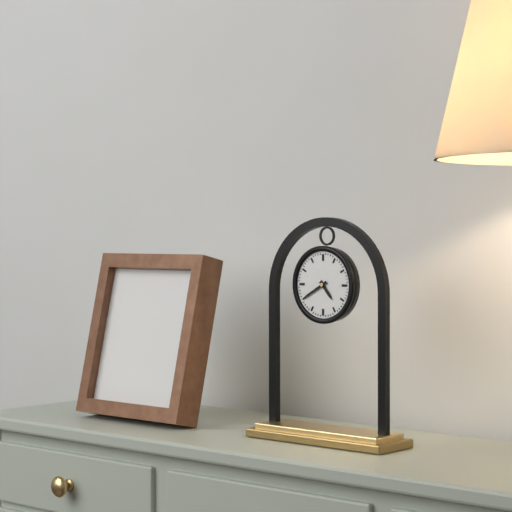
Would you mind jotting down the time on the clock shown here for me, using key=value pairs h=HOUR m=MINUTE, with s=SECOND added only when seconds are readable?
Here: h=4 m=40
